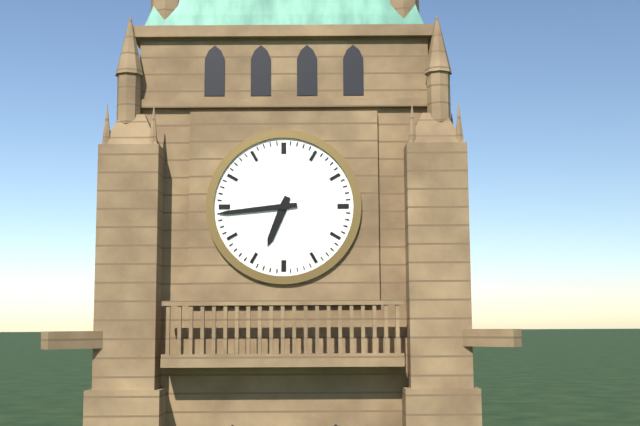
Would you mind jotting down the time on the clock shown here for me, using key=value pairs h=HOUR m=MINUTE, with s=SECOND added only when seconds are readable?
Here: h=6 m=44
